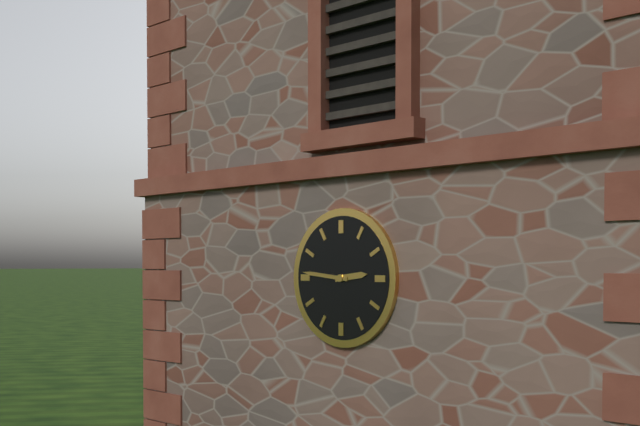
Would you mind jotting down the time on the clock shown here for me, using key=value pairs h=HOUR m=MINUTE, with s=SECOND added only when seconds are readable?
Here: h=2 m=46
